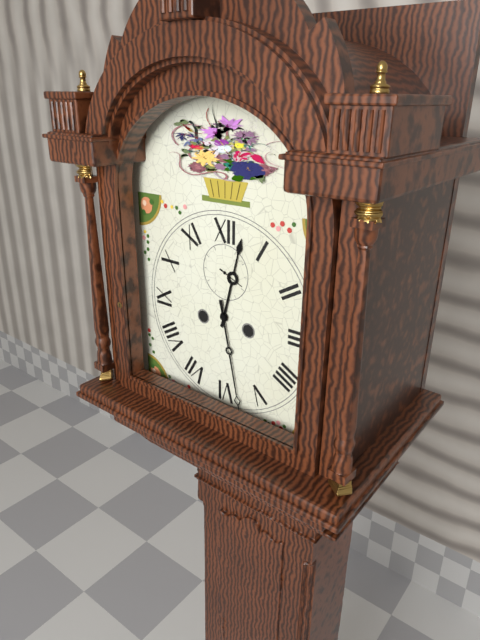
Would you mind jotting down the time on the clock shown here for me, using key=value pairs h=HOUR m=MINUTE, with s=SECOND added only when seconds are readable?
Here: h=12 m=28
